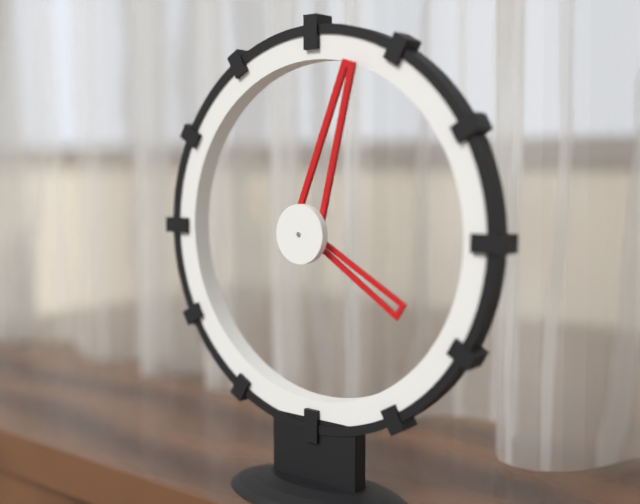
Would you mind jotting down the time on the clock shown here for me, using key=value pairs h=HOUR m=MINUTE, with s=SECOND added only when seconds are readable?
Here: h=4 m=3
